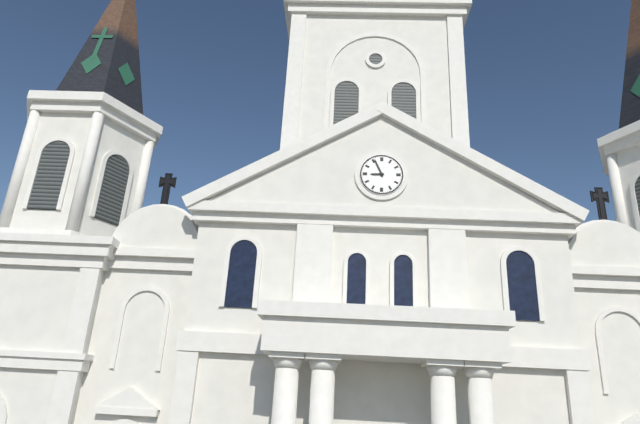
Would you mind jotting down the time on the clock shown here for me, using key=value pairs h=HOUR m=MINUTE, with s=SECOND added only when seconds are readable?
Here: h=8 m=56
